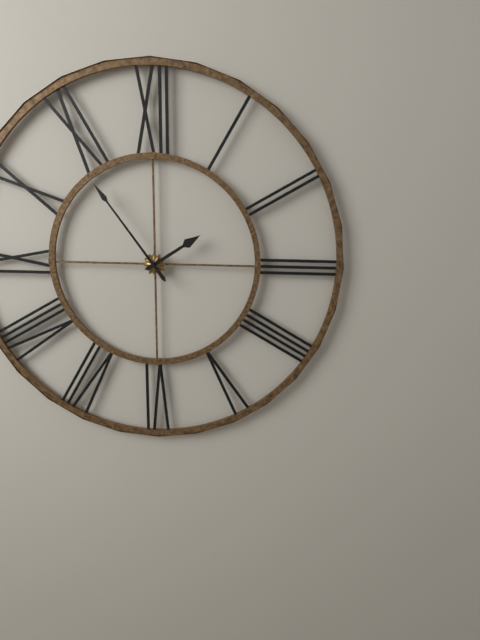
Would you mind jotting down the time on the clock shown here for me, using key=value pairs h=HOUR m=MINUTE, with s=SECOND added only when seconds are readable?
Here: h=1 m=54
